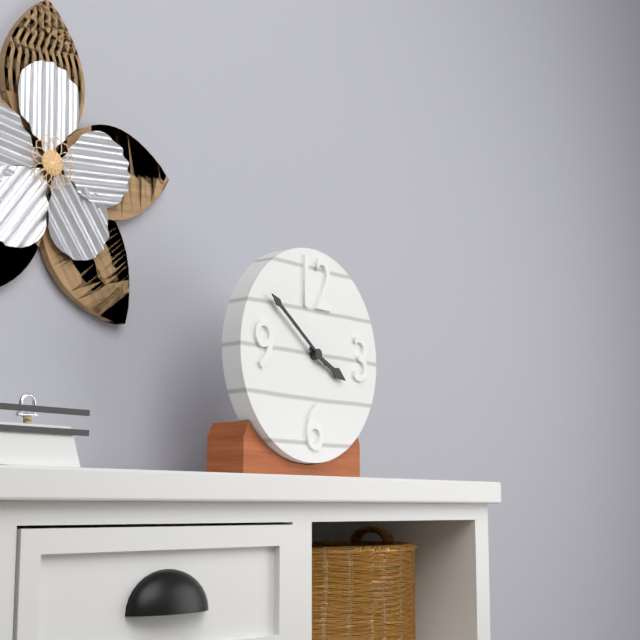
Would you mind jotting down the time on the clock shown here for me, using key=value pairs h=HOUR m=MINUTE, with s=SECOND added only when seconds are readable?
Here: h=3 m=51
